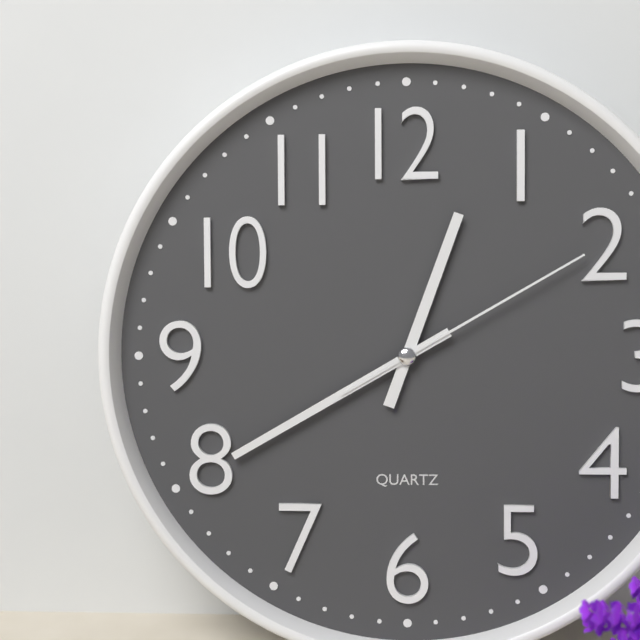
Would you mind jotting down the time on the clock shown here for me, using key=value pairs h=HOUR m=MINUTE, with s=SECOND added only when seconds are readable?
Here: h=12 m=40 s=10
